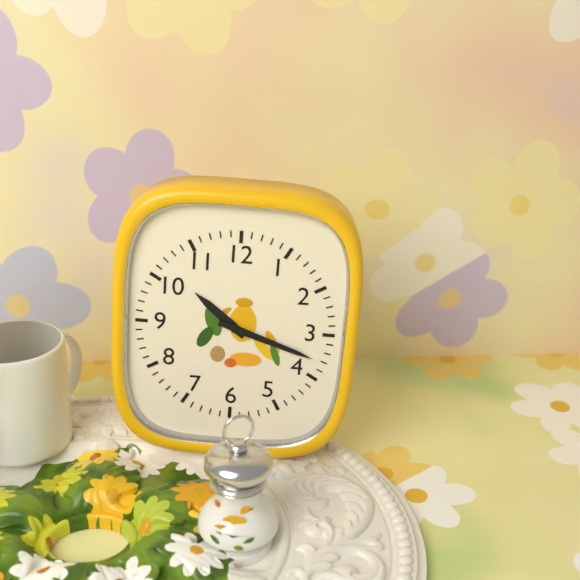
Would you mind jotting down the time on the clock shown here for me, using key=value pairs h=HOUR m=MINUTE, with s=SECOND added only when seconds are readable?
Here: h=10 m=18
